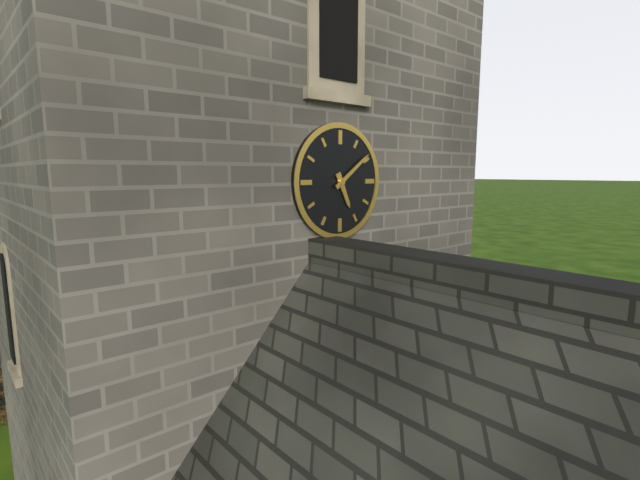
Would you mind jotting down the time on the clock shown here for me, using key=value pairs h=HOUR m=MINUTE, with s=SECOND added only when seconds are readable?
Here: h=5 m=9
